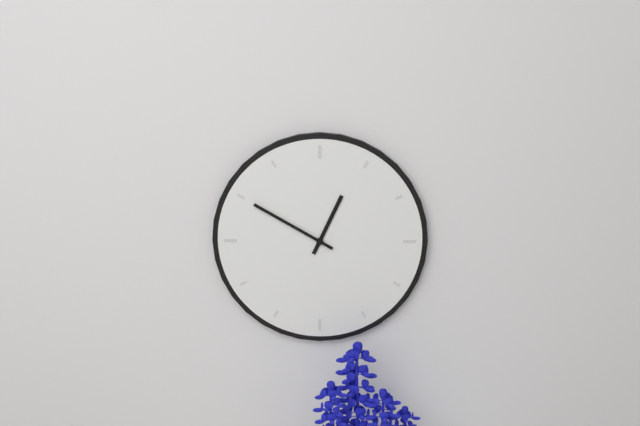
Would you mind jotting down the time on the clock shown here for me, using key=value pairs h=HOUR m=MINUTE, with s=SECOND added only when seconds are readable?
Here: h=12 m=50
